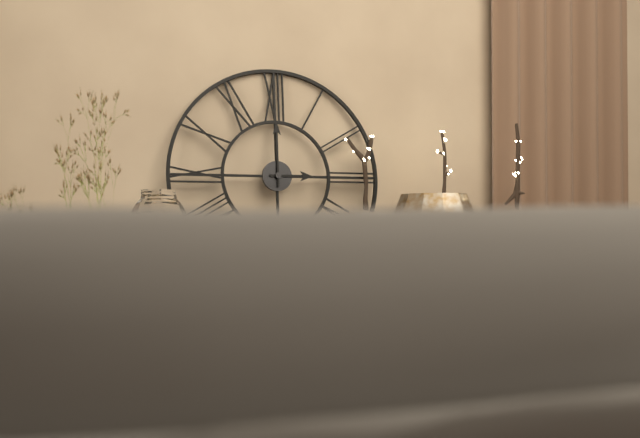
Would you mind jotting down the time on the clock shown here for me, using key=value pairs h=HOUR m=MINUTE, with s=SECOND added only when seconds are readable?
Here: h=3 m=0
